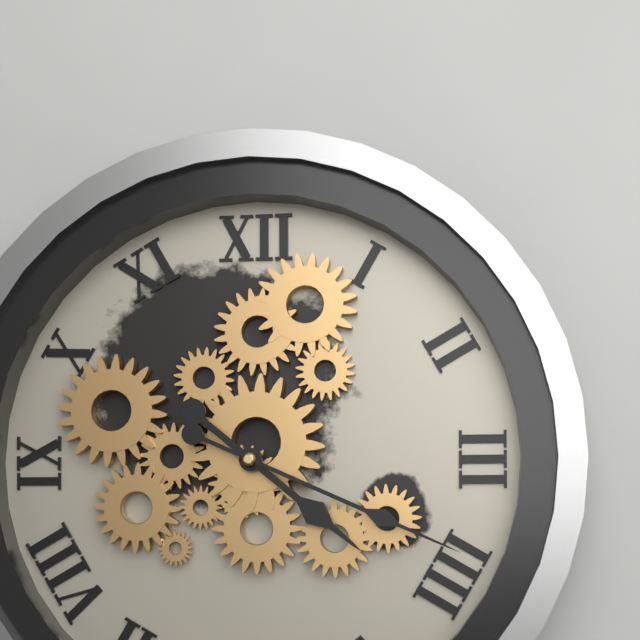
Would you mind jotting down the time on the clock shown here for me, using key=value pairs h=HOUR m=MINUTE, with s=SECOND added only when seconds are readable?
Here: h=4 m=19
